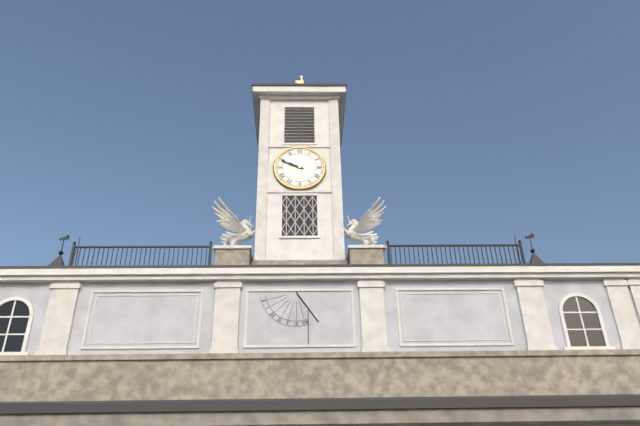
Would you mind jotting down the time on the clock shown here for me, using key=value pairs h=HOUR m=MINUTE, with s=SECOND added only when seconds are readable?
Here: h=9 m=49
